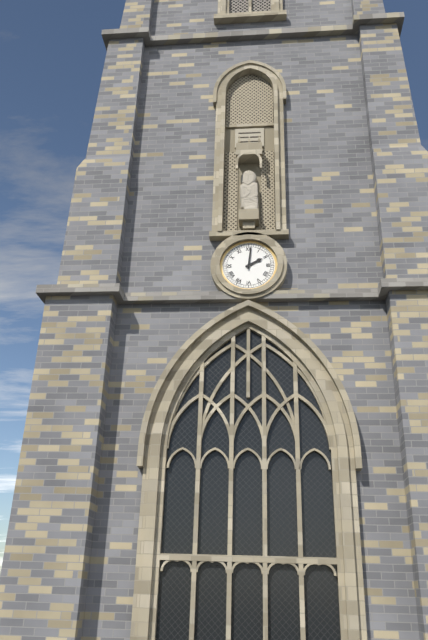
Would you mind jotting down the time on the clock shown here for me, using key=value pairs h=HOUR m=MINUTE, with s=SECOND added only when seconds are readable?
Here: h=2 m=1
